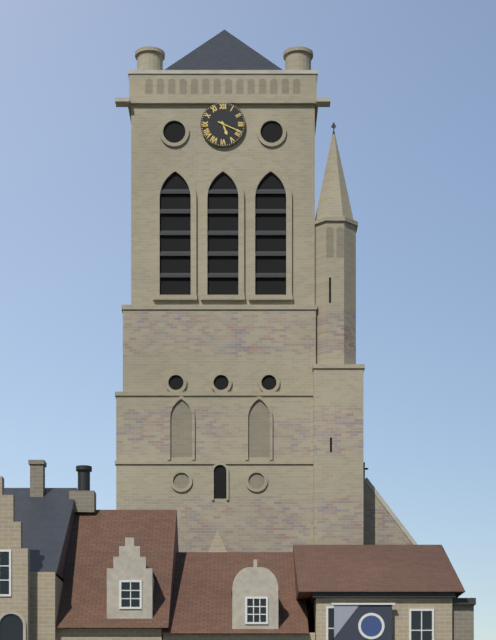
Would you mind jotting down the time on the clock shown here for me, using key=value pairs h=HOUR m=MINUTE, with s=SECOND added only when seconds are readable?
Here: h=5 m=19
